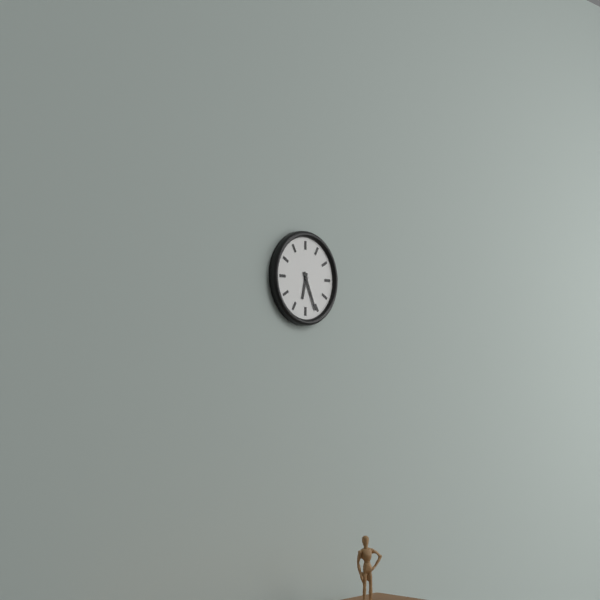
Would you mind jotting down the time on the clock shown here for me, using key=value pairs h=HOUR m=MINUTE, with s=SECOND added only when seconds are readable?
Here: h=6 m=26
